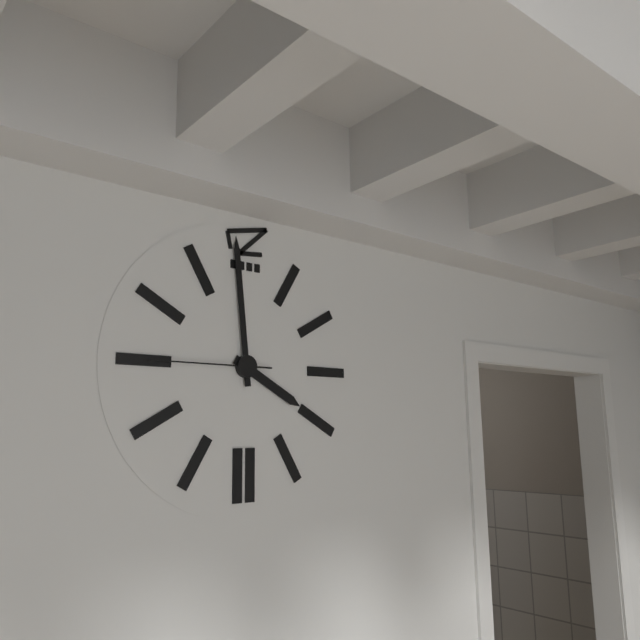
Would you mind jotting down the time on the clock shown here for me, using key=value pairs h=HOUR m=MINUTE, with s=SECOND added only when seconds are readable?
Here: h=3 m=59 s=45
